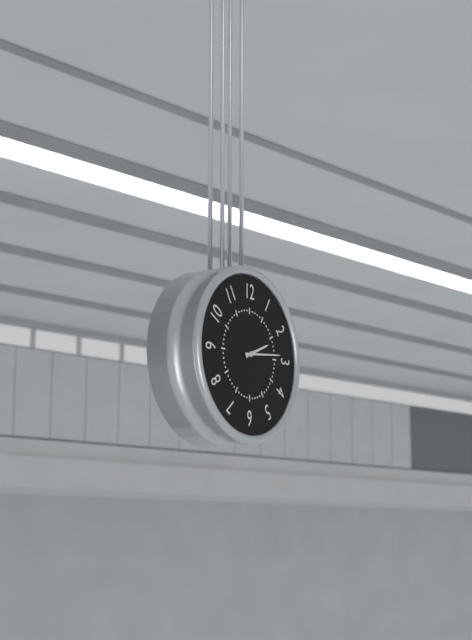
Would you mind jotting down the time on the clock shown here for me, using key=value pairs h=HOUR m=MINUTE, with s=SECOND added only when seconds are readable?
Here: h=2 m=14
